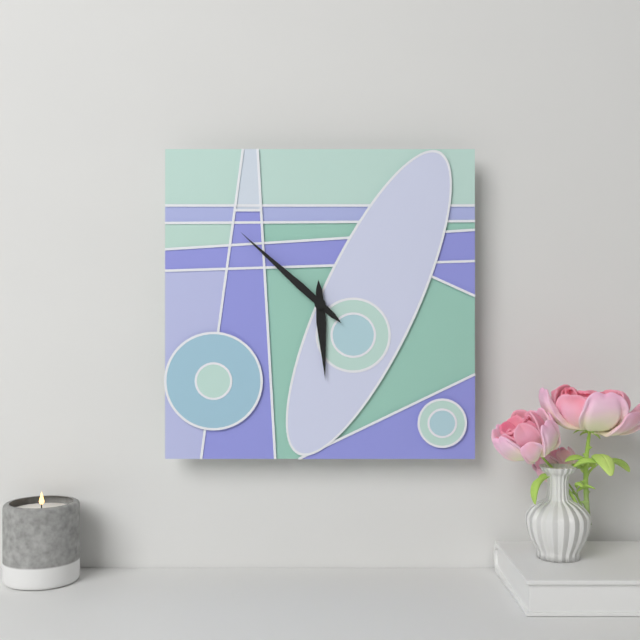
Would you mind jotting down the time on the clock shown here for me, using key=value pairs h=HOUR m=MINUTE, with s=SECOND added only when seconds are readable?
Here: h=5 m=52
